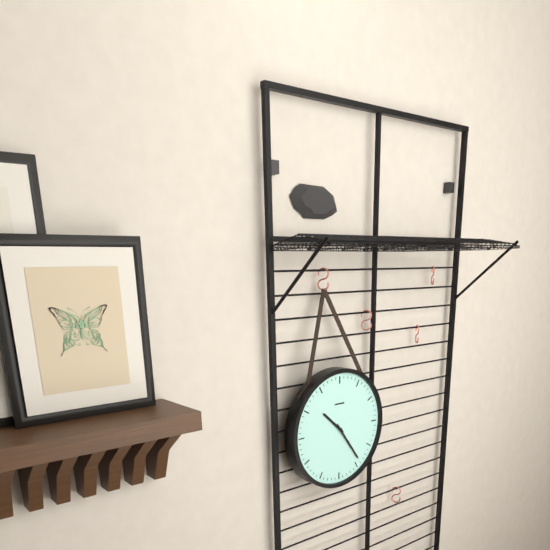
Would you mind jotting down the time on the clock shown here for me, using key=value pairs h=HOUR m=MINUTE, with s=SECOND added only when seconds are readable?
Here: h=10 m=24
